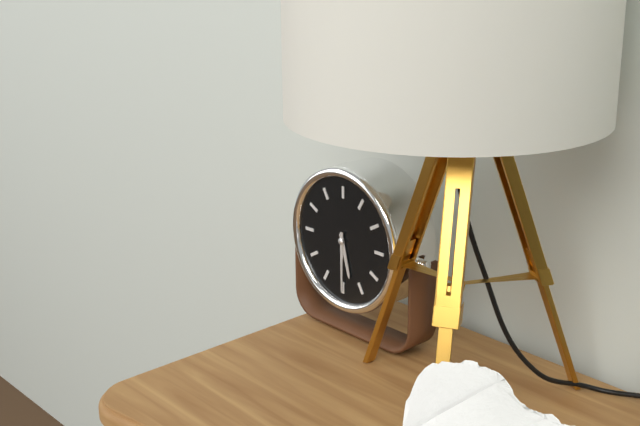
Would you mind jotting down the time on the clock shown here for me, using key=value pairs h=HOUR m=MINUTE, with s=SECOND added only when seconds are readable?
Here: h=5 m=30
